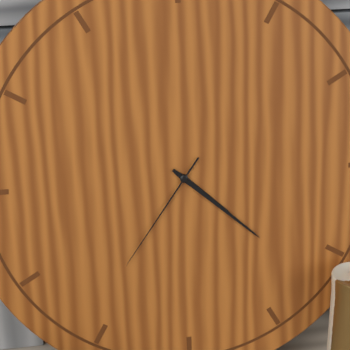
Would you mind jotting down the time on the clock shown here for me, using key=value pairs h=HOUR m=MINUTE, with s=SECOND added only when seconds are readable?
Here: h=4 m=22 s=36
